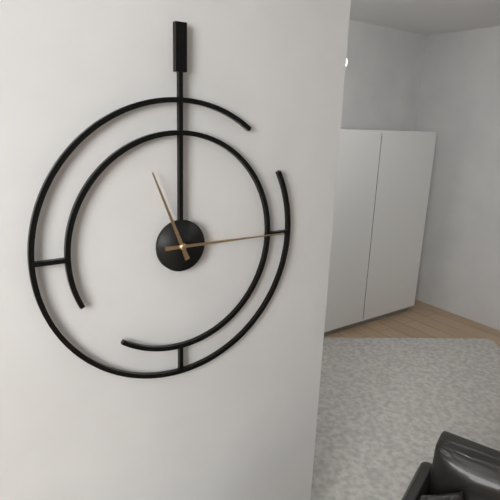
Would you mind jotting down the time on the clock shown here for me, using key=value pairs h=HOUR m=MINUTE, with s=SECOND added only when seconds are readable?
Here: h=11 m=15
